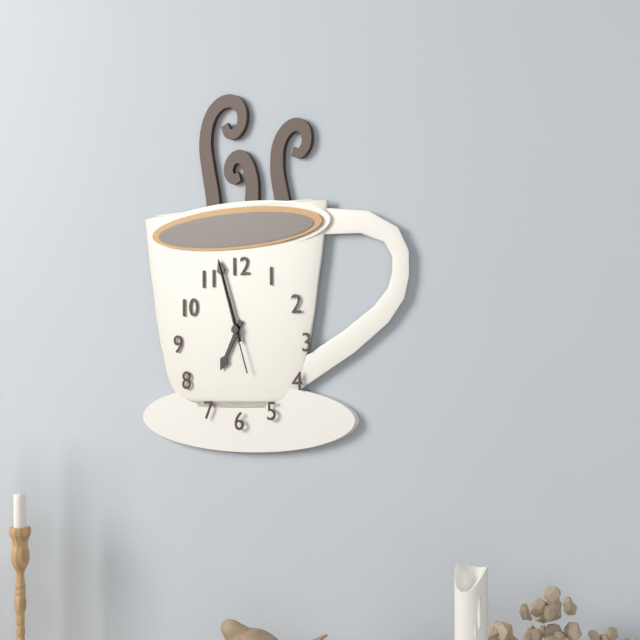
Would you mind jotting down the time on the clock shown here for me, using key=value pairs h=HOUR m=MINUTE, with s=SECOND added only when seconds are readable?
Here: h=6 m=57 s=57
